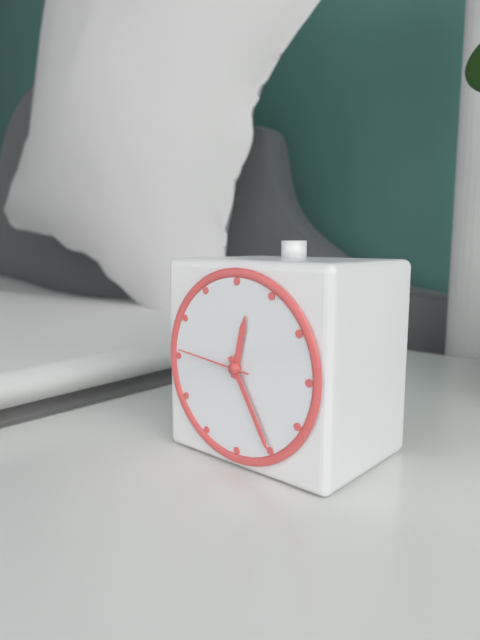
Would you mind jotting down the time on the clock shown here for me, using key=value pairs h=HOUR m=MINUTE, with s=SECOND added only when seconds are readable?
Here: h=12 m=25 s=46
